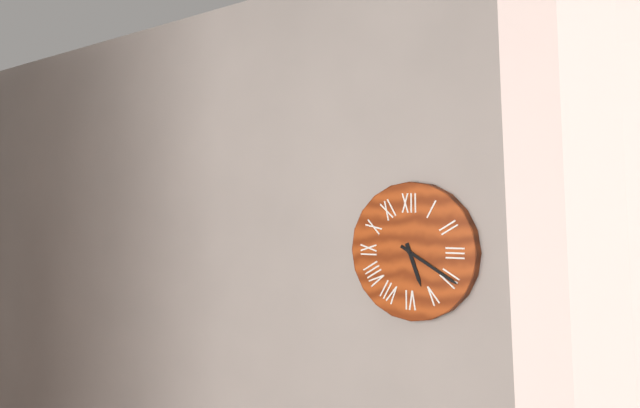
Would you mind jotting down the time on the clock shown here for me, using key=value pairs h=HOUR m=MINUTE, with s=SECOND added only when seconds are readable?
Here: h=5 m=20
